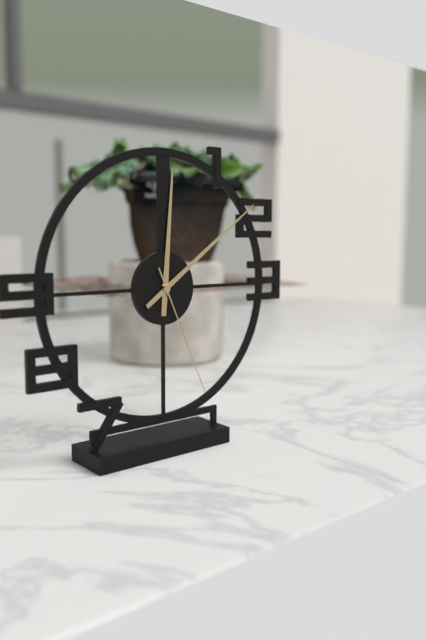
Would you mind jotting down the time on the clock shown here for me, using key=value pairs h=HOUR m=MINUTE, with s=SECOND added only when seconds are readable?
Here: h=12 m=9 s=26
